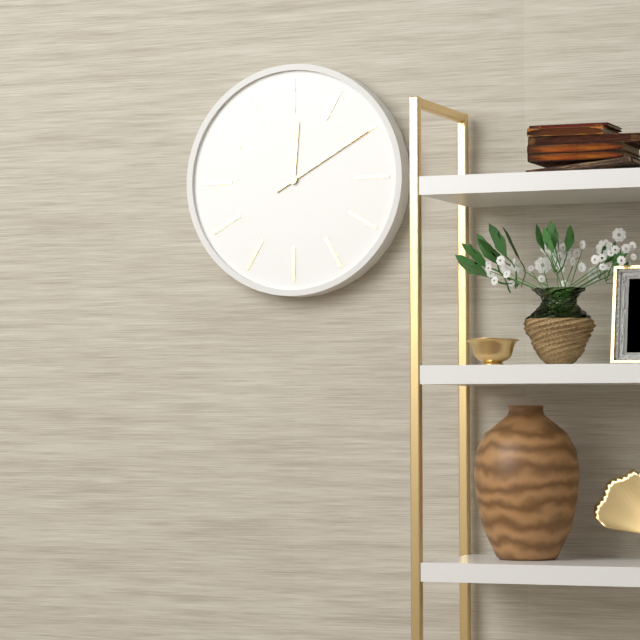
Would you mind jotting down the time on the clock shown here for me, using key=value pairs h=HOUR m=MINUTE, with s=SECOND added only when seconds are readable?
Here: h=12 m=10
